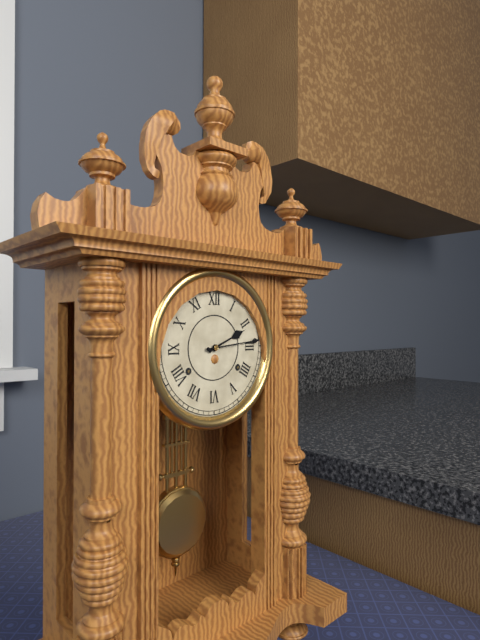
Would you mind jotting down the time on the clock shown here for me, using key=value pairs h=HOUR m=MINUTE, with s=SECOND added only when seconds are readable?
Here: h=2 m=14
